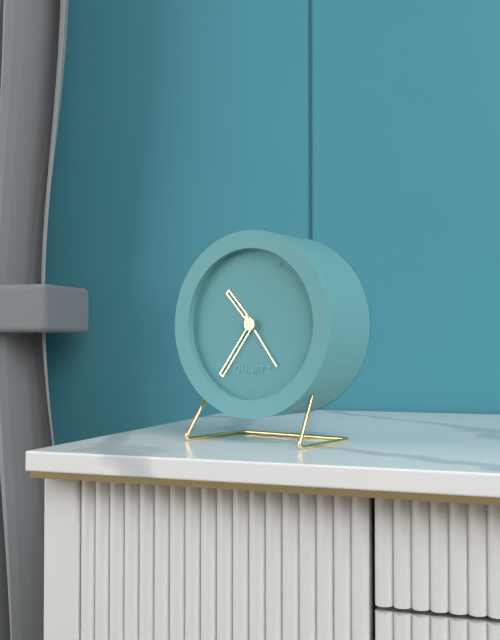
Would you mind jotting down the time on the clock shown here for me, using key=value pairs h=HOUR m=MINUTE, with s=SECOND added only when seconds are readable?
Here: h=10 m=36 s=24
